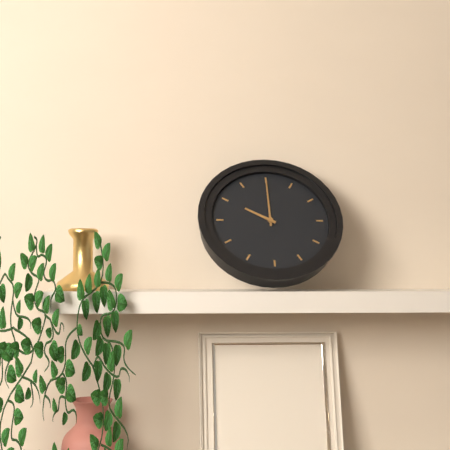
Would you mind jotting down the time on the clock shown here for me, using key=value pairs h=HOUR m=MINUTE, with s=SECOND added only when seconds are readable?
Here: h=10 m=0
